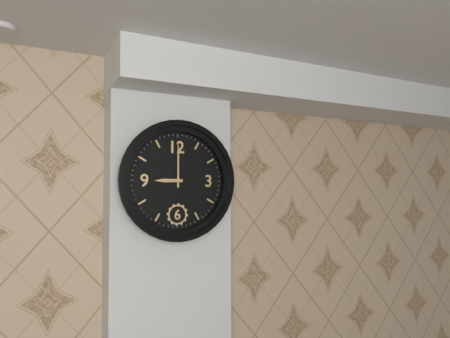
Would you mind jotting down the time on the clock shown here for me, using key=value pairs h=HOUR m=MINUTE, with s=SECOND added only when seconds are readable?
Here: h=9 m=0
